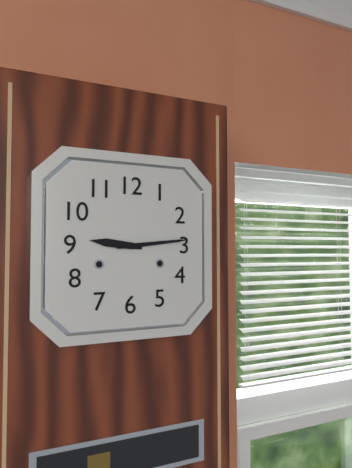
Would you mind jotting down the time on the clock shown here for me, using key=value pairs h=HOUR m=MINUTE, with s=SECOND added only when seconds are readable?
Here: h=9 m=14
